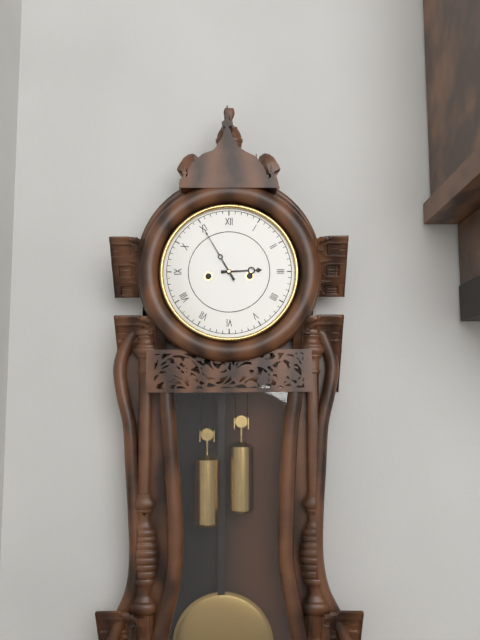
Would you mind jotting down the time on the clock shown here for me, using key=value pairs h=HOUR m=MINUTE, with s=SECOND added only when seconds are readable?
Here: h=2 m=55
